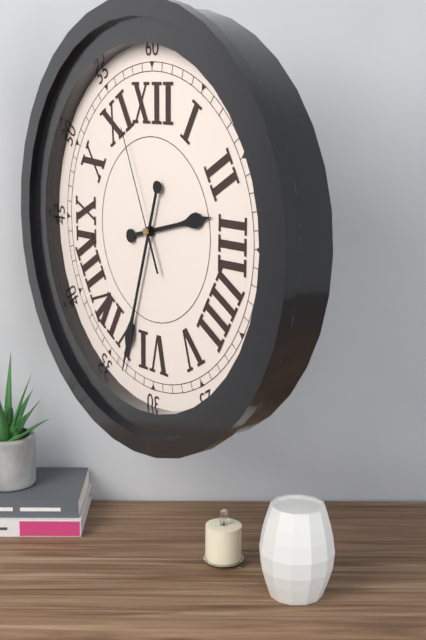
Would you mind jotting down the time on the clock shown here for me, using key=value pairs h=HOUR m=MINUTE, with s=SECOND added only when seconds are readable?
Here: h=2 m=33 s=56
